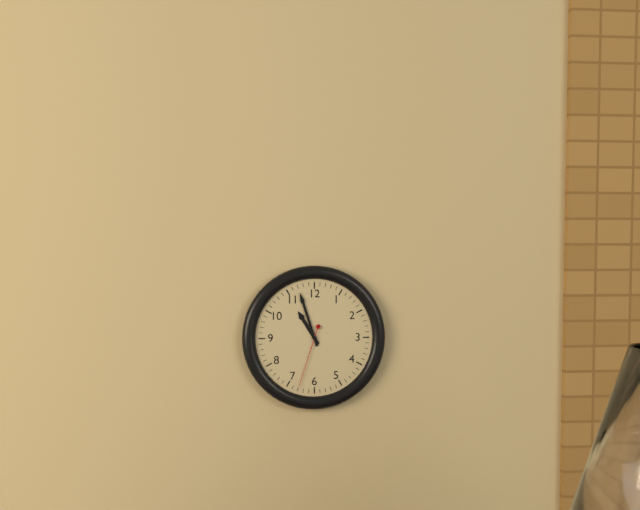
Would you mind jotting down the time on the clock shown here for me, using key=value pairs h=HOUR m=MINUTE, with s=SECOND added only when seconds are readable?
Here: h=10 m=57 s=33
